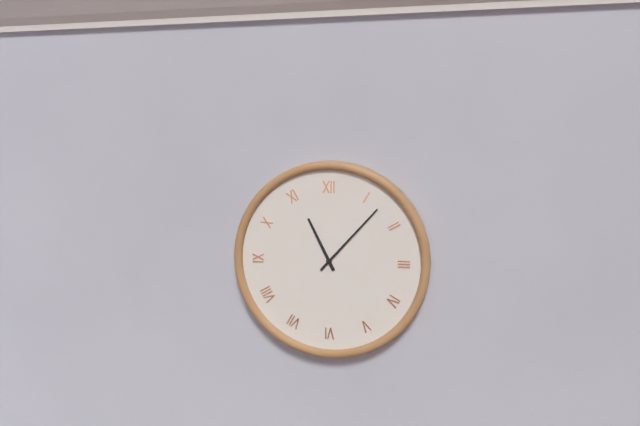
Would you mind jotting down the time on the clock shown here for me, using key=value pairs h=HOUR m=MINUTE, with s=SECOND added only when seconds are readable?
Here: h=11 m=7
